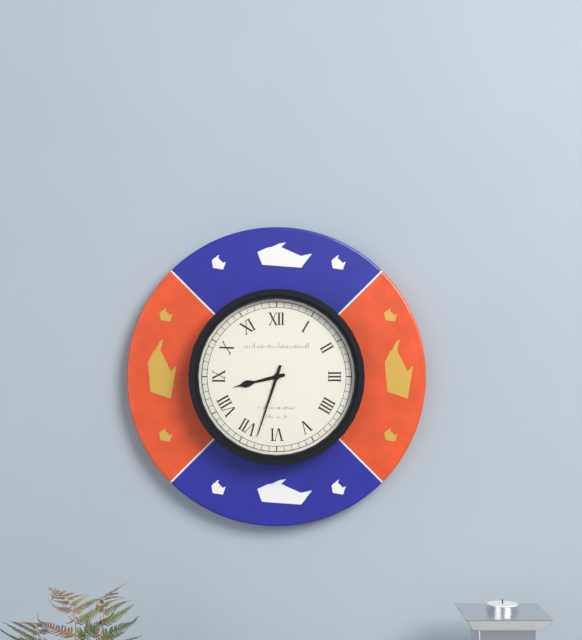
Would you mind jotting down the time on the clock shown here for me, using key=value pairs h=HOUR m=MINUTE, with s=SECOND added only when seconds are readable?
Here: h=8 m=33
